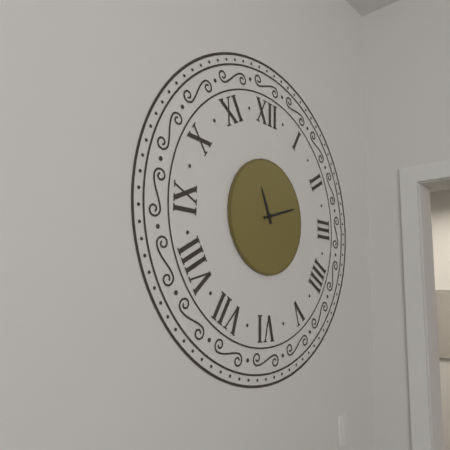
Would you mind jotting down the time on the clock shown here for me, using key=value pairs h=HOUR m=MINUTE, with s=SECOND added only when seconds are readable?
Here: h=11 m=12
